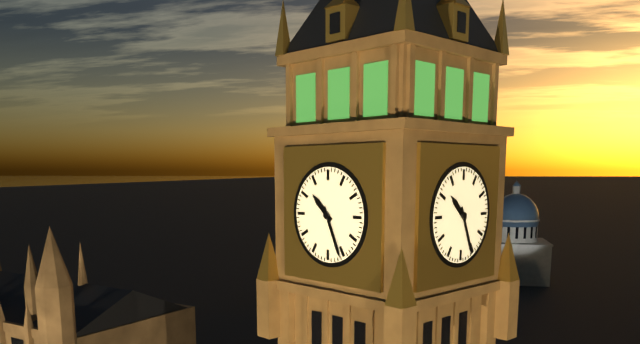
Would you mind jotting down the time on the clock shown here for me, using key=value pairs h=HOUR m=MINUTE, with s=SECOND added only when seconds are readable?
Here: h=10 m=26
